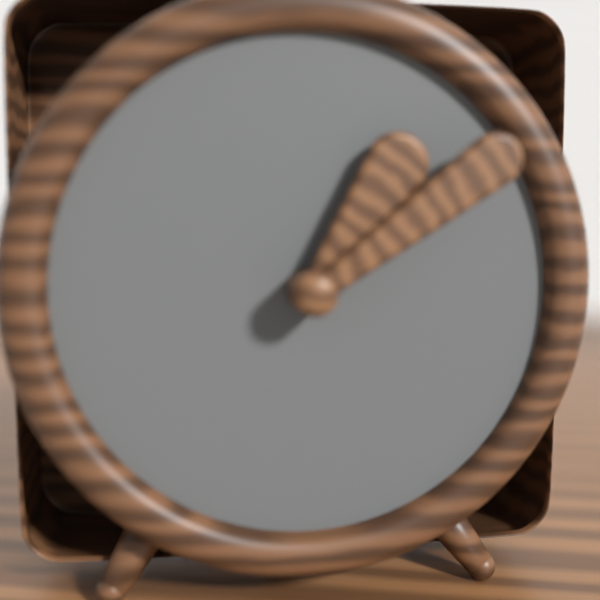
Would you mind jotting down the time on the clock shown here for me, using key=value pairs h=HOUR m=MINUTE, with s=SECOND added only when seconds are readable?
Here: h=1 m=9
